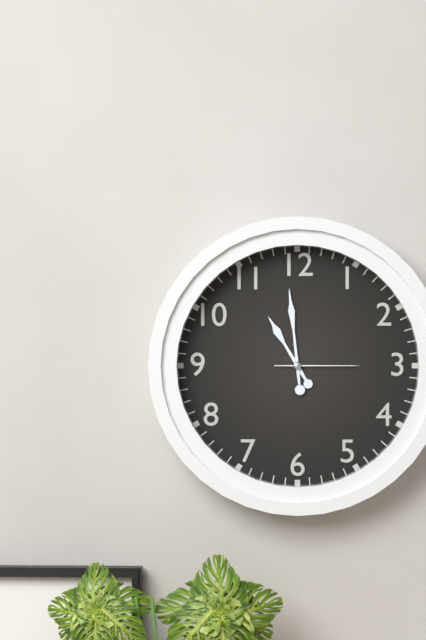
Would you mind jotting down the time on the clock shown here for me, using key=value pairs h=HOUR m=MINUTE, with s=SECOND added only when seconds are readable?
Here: h=10 m=59 s=15
